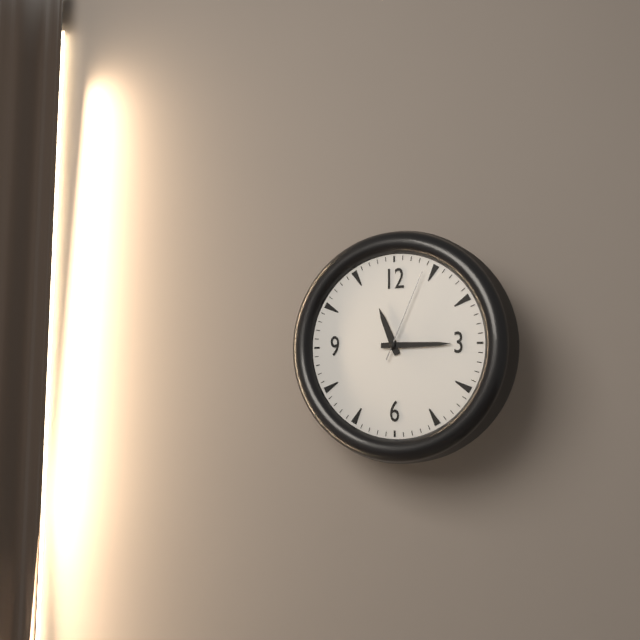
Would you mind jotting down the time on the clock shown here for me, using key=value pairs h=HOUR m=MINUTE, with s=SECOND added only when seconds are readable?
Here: h=11 m=15 s=4
